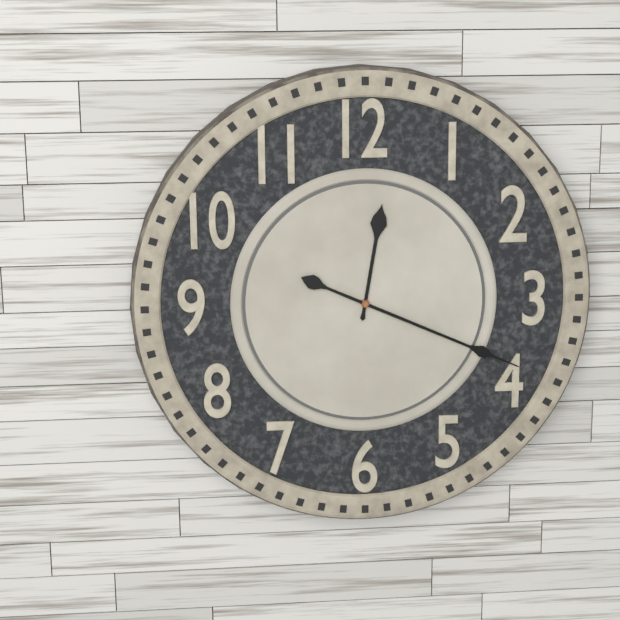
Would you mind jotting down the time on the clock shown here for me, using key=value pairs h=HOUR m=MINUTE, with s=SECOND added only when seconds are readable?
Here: h=12 m=19
